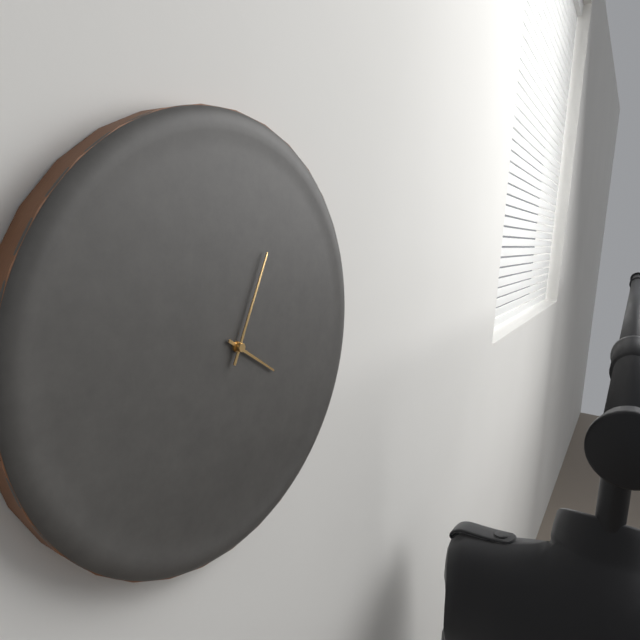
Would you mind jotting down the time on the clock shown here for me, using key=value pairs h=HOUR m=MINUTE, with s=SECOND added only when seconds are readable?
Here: h=4 m=4
